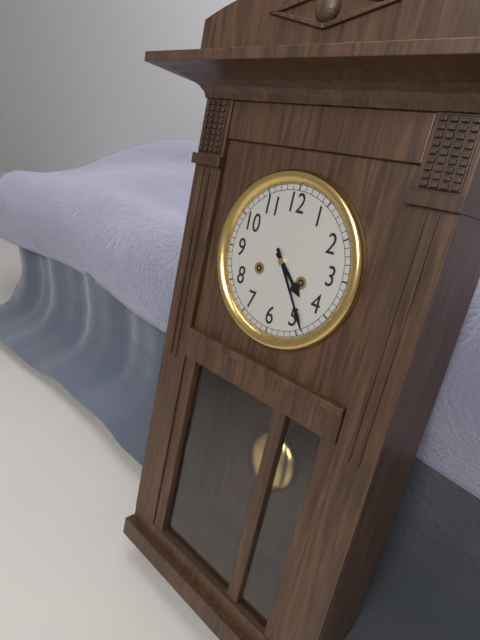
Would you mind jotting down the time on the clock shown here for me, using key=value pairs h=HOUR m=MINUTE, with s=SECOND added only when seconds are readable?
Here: h=4 m=24
